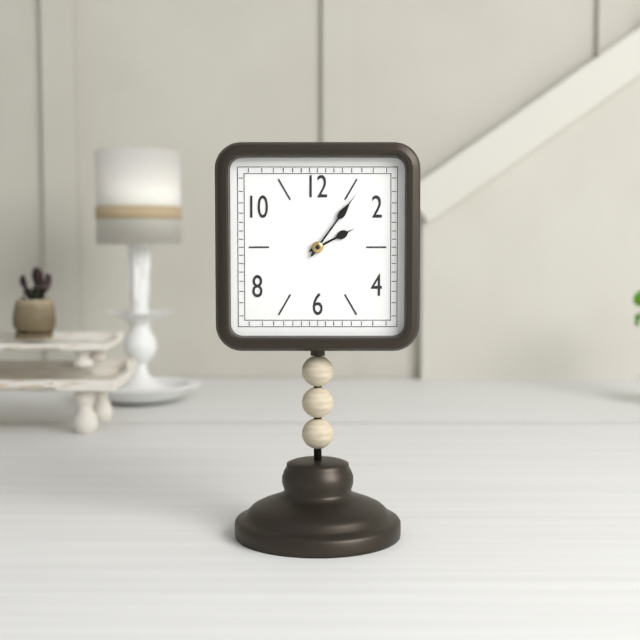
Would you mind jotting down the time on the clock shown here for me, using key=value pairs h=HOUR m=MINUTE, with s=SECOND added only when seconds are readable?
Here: h=2 m=6
